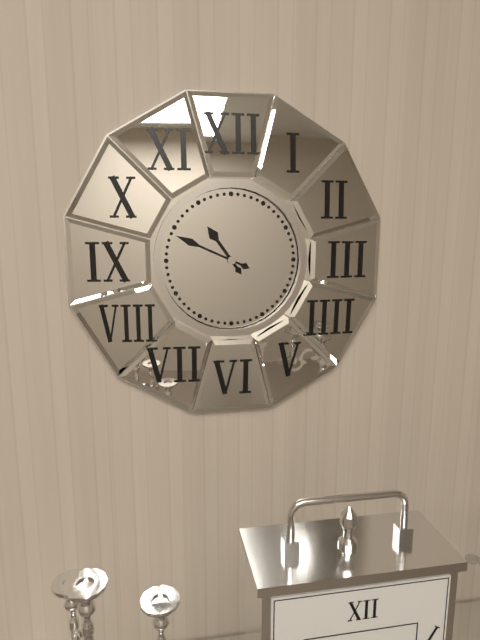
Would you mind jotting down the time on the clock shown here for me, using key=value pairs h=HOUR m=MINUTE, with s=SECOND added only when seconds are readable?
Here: h=10 m=49
